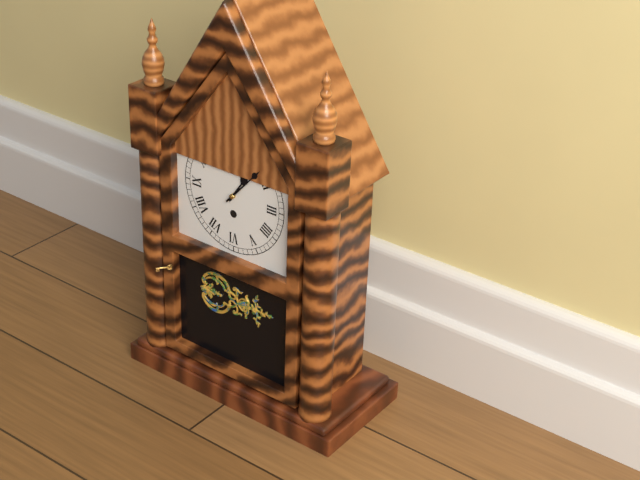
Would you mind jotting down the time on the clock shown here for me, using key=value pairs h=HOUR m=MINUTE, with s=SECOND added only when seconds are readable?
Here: h=1 m=7
